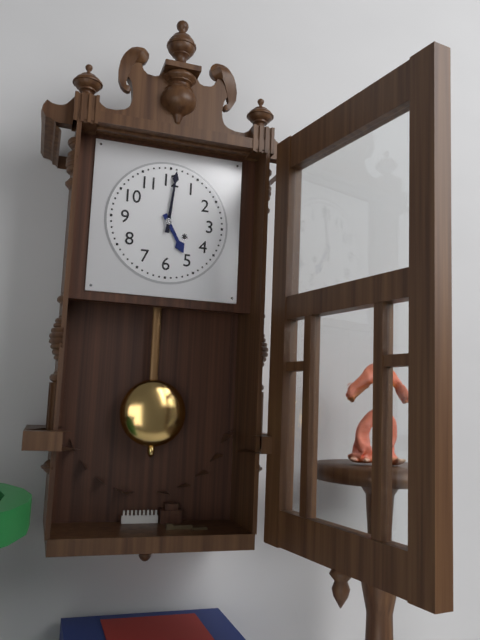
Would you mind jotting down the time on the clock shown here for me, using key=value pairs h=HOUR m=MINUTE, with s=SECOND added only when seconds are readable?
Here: h=5 m=1
